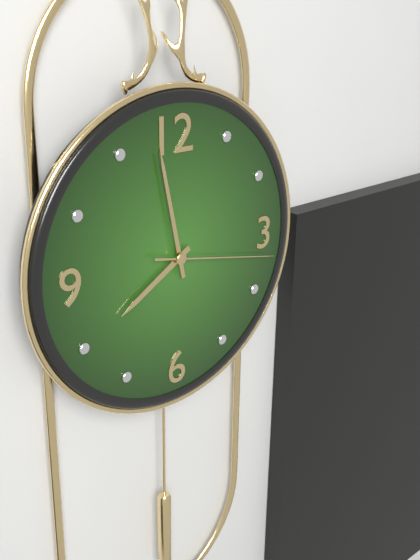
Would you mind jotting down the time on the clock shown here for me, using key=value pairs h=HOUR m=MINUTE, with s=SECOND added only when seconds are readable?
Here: h=7 m=58 s=17
